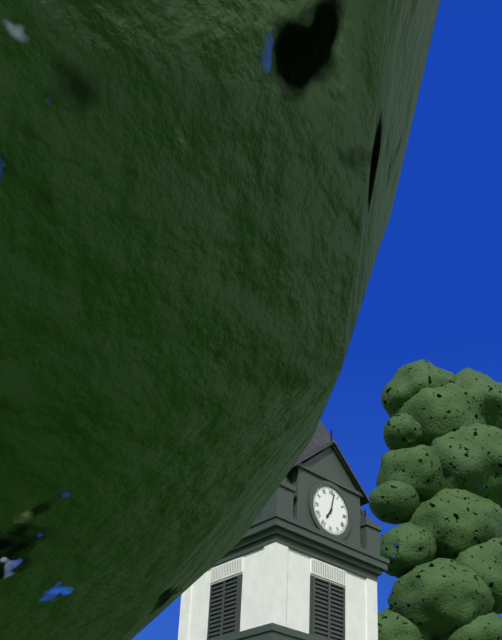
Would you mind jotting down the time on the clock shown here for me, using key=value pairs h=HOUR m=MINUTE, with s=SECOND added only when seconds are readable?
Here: h=7 m=2
